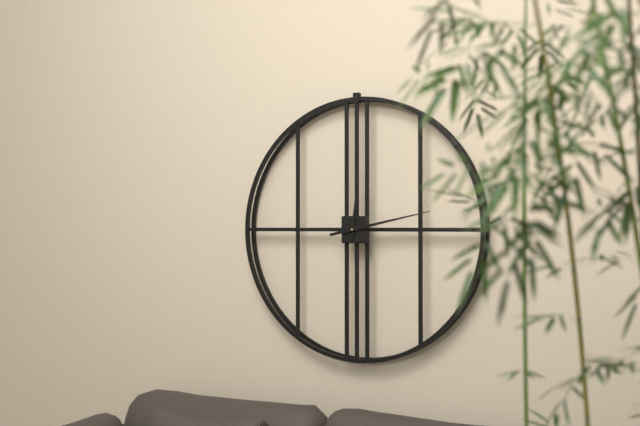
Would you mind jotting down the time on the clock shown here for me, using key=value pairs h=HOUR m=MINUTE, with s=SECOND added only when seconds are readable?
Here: h=12 m=13
